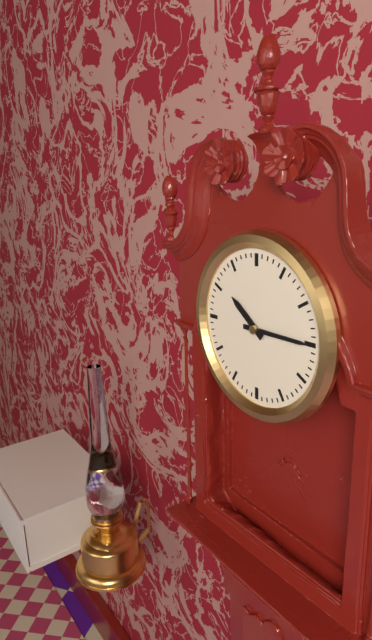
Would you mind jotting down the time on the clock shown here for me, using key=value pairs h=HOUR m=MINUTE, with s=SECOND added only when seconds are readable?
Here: h=10 m=15
